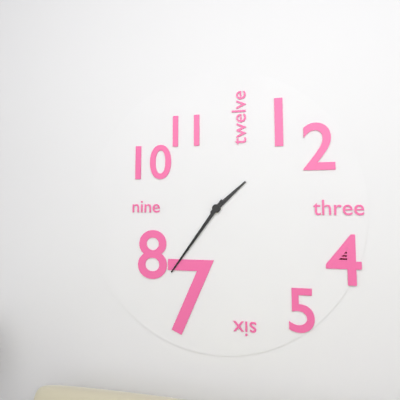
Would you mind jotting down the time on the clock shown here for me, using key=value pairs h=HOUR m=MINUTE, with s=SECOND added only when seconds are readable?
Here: h=1 m=36
